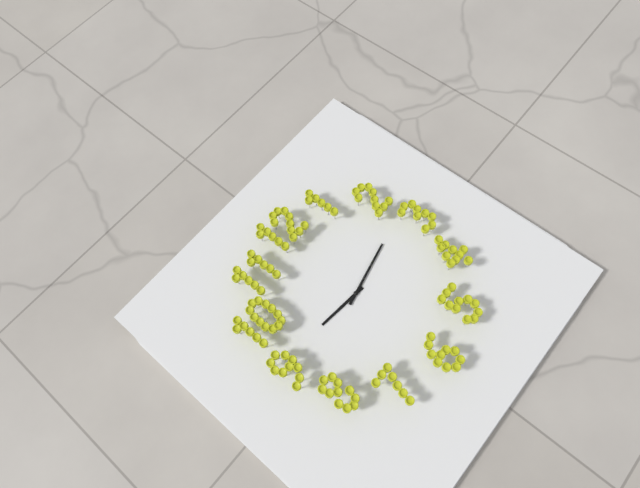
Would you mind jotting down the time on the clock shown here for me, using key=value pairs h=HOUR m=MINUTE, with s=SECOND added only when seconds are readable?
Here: h=9 m=13
